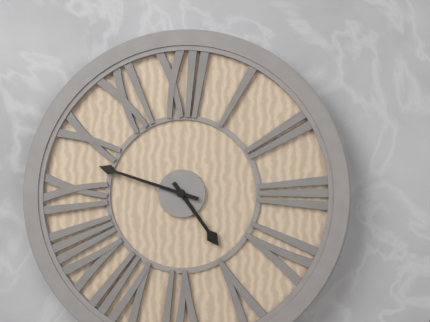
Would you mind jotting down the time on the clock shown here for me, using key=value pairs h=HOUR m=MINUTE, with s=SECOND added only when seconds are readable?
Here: h=4 m=48
